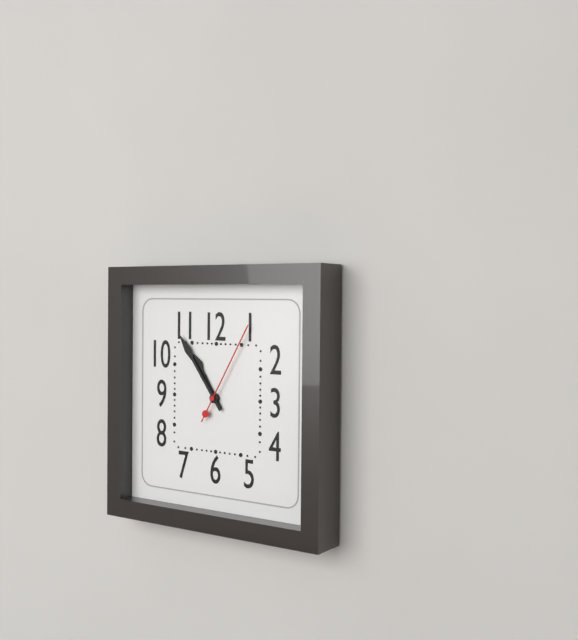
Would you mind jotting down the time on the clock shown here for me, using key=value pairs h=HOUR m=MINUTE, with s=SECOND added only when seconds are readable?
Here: h=10 m=54 s=5
